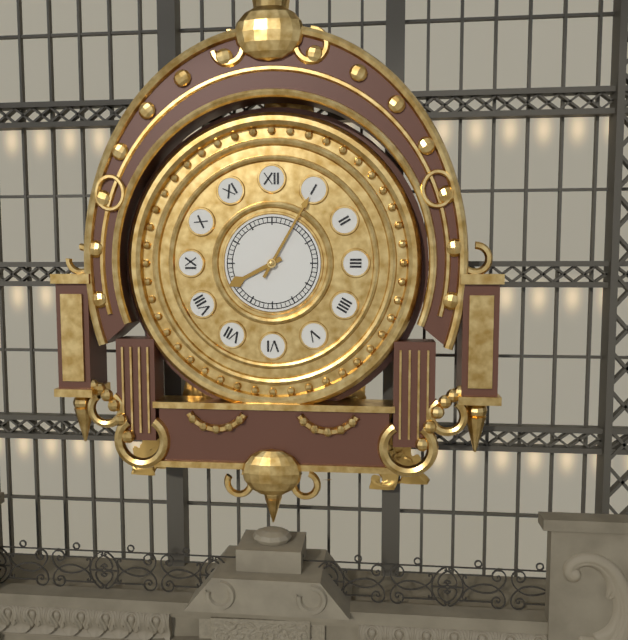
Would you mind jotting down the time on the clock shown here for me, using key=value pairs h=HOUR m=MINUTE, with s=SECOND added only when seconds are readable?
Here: h=8 m=5
